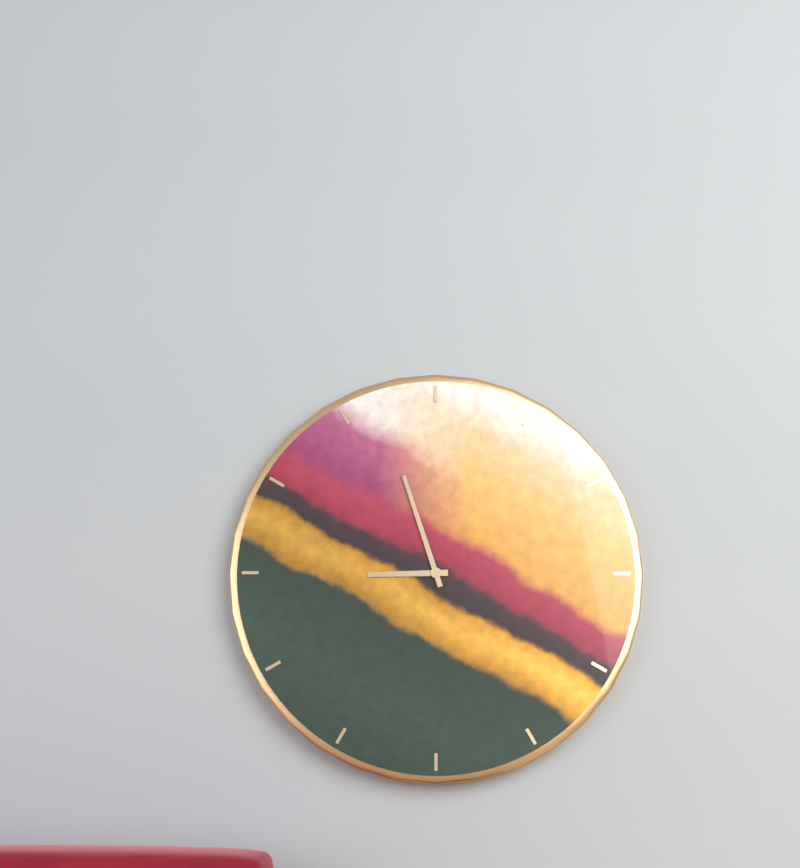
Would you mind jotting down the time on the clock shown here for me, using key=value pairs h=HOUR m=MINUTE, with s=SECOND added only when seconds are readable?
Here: h=8 m=57
